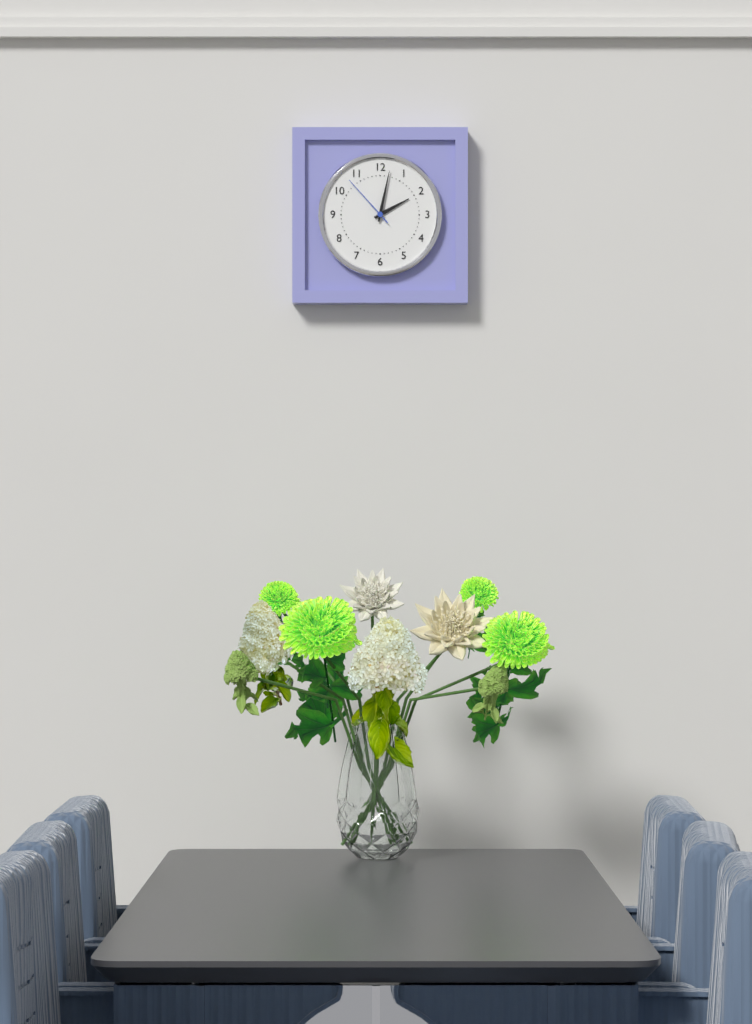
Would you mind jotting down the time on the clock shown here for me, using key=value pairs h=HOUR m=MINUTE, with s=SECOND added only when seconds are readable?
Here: h=2 m=2 s=53
